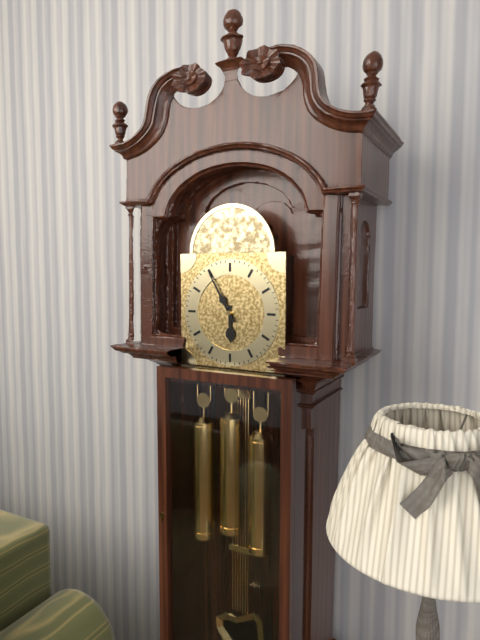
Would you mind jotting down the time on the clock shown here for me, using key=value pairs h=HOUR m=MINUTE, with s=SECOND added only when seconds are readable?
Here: h=5 m=55
